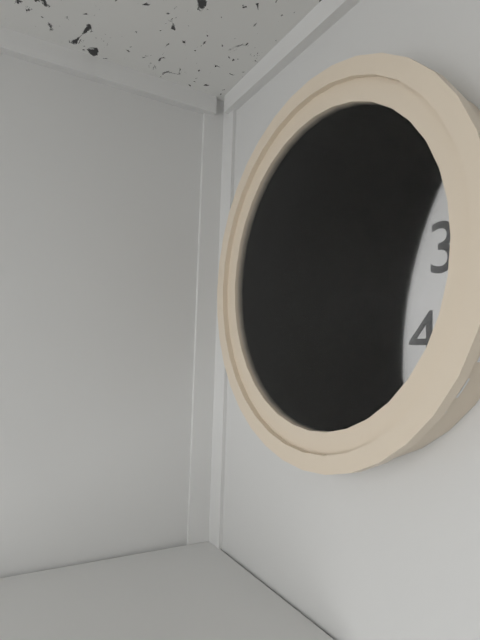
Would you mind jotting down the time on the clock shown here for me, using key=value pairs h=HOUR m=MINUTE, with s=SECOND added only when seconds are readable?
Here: h=11 m=23 s=42
